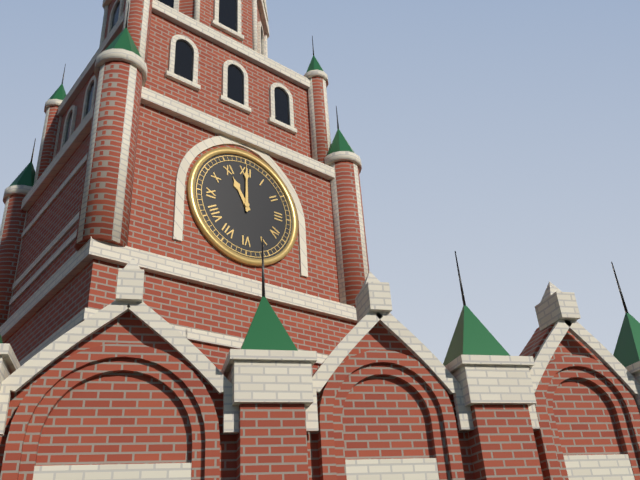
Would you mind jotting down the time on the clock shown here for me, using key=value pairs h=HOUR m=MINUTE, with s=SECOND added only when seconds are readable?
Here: h=11 m=0
